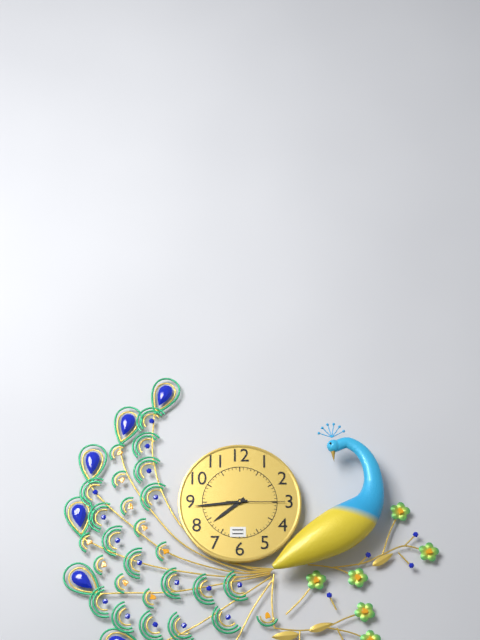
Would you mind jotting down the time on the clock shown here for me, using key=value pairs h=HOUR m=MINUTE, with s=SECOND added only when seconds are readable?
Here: h=7 m=44 s=15
